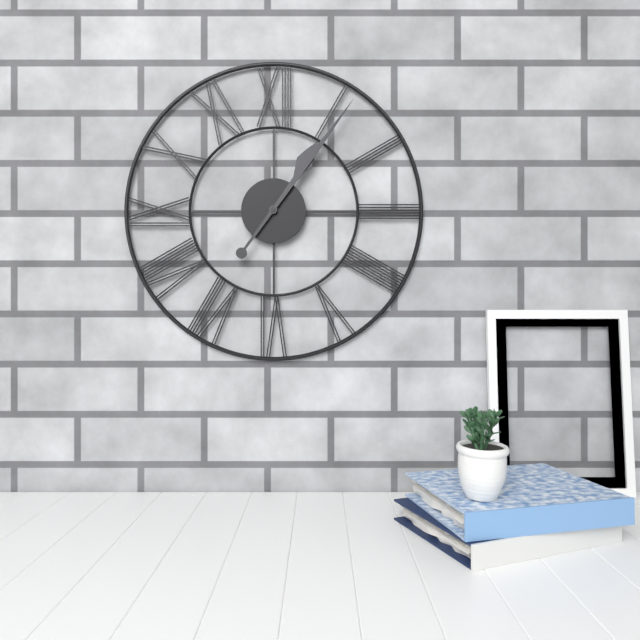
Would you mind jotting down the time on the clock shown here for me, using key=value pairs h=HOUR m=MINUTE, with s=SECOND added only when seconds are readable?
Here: h=1 m=6
